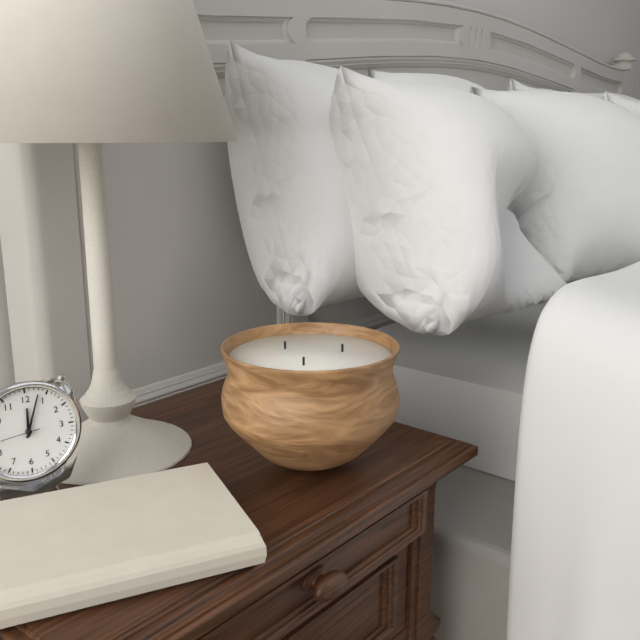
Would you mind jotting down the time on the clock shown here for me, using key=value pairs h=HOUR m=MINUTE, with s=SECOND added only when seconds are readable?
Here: h=12 m=3
